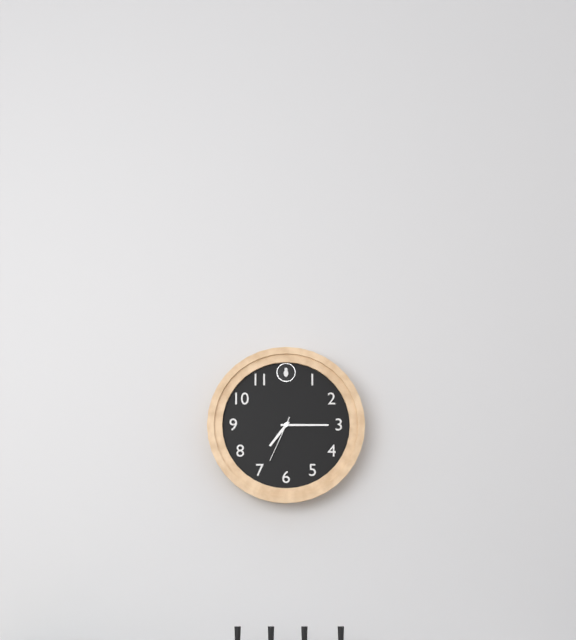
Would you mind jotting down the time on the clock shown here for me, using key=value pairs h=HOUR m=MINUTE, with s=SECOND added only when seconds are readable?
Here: h=7 m=15
